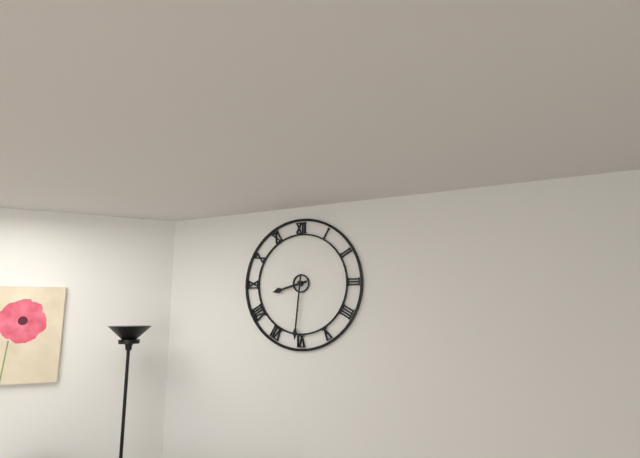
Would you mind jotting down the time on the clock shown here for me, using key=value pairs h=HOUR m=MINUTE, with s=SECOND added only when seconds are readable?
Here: h=8 m=31
